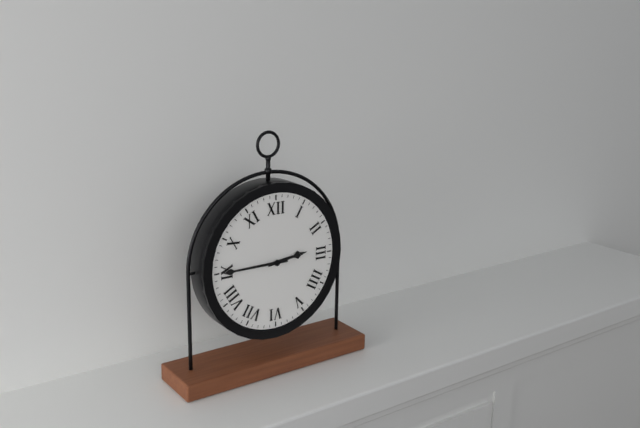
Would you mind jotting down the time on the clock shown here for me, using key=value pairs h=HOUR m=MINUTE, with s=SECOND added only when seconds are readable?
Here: h=2 m=45
